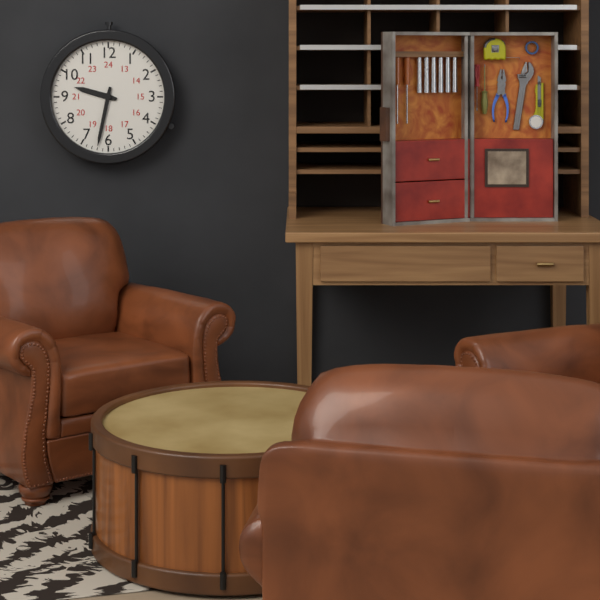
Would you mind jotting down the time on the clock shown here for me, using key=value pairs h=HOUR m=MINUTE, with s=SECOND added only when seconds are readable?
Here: h=9 m=32
